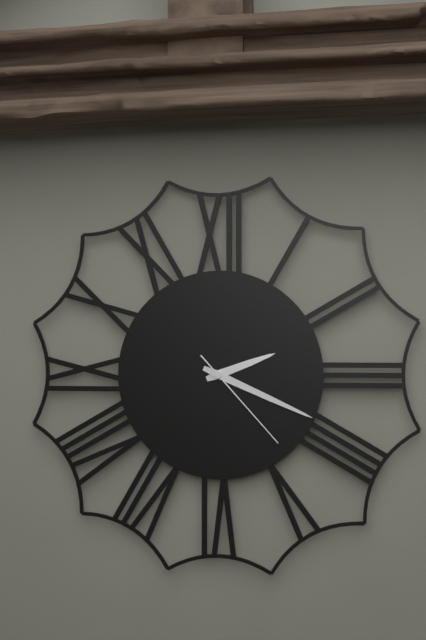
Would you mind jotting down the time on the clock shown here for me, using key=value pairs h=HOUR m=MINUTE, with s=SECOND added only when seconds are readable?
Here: h=2 m=19 s=23
